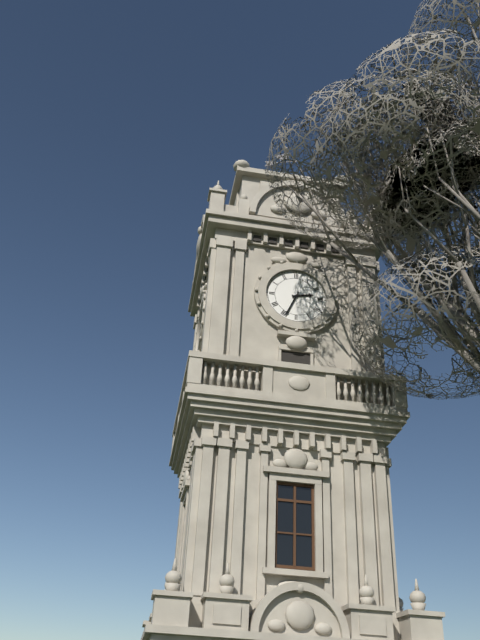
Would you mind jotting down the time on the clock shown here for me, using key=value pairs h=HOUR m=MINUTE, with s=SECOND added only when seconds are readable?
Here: h=2 m=34
